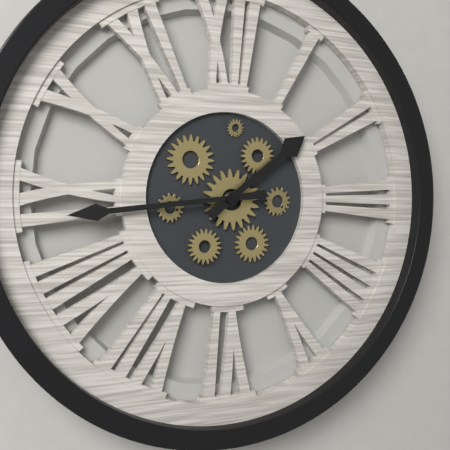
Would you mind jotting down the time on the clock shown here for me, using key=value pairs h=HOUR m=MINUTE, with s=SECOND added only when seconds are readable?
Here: h=1 m=44
